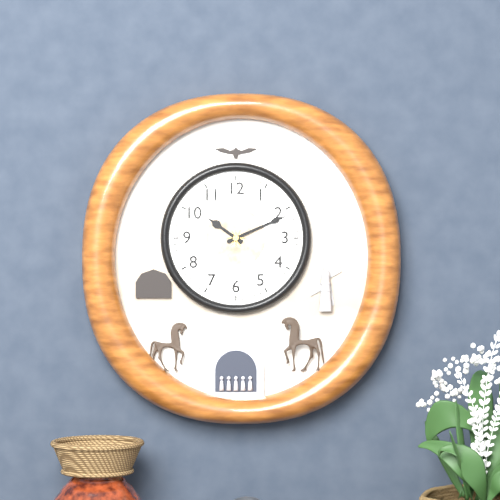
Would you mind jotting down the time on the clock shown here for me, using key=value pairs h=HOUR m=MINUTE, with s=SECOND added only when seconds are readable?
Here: h=10 m=11
